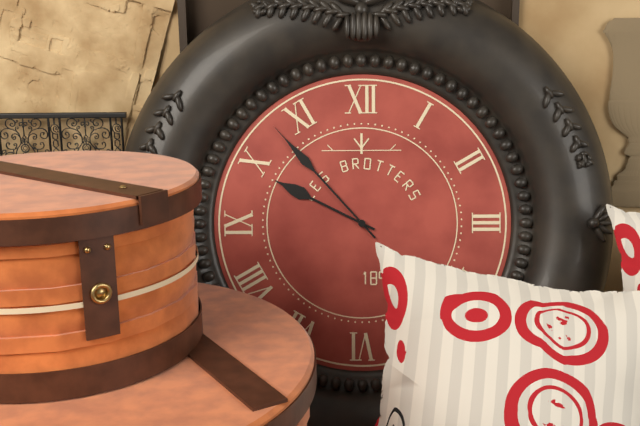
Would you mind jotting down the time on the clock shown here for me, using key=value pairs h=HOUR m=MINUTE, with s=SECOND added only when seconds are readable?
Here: h=9 m=53
